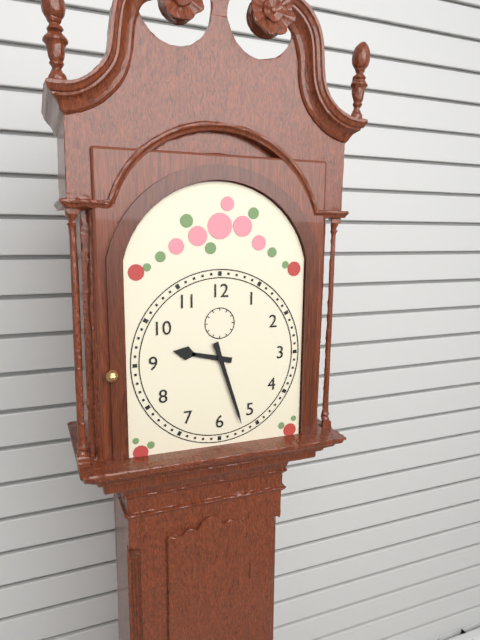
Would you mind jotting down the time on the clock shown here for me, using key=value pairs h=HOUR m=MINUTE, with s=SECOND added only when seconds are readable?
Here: h=9 m=27
